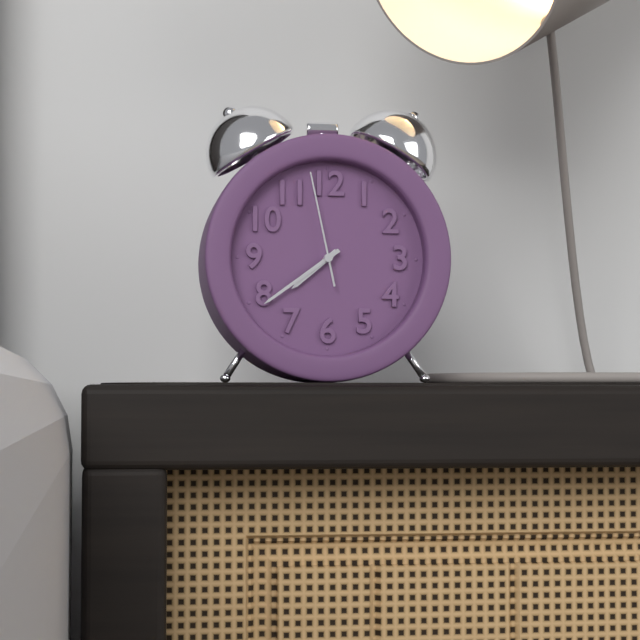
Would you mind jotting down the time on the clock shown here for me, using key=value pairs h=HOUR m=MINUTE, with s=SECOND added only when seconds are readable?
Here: h=7 m=39 s=58
